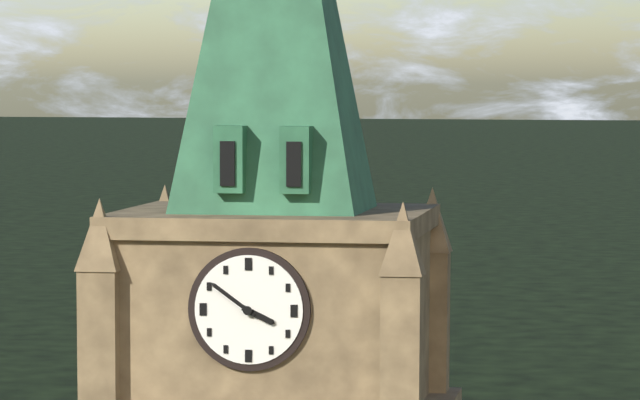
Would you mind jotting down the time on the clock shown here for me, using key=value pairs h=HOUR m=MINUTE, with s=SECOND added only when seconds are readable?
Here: h=3 m=51
